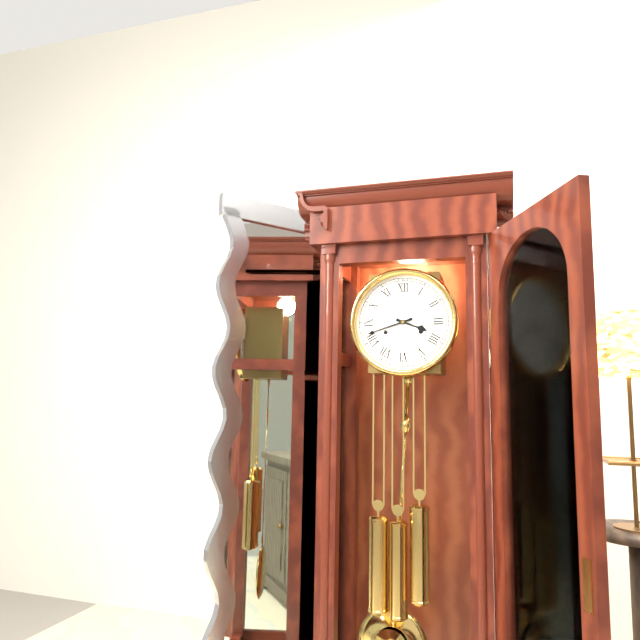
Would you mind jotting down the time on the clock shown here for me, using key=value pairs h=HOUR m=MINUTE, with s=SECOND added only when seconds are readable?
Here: h=3 m=42
